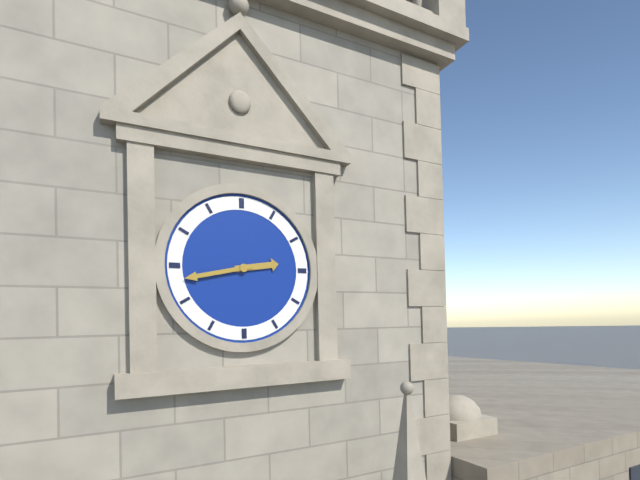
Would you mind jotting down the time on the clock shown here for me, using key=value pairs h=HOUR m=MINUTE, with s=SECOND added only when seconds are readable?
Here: h=2 m=43
